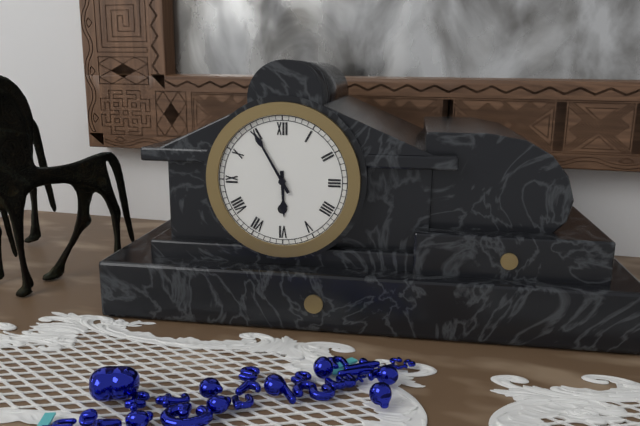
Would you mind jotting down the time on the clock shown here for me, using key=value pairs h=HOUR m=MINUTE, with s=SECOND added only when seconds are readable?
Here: h=5 m=55
